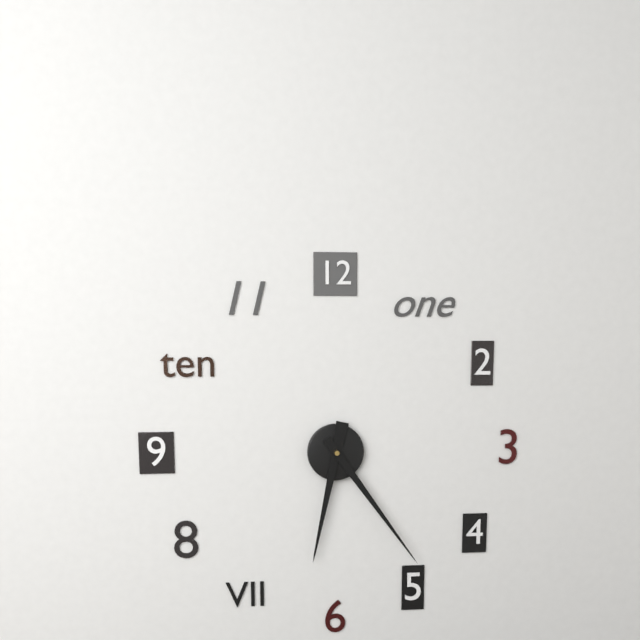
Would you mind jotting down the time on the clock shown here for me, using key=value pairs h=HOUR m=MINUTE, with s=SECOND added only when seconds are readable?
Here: h=6 m=24
